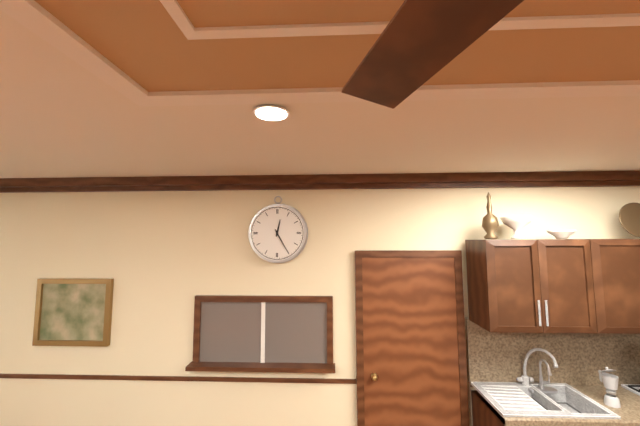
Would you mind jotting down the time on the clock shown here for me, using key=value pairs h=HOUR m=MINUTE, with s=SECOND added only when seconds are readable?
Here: h=12 m=25
